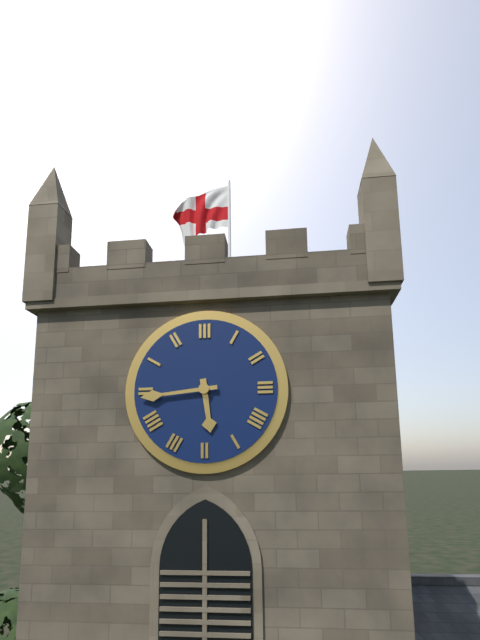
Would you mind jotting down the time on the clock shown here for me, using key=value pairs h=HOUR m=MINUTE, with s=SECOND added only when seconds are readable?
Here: h=5 m=44
